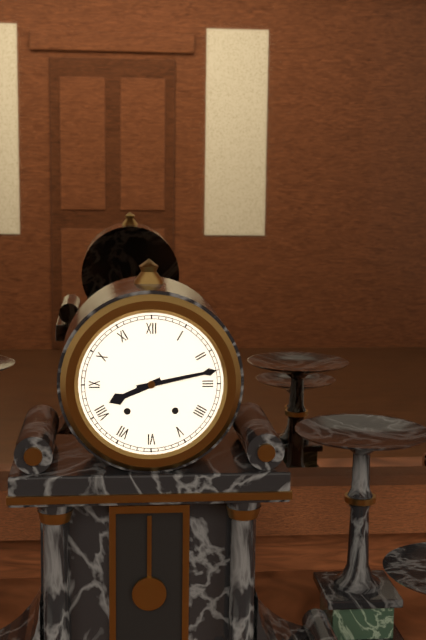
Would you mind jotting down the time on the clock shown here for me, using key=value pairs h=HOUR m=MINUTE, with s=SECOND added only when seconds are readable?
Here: h=8 m=13
